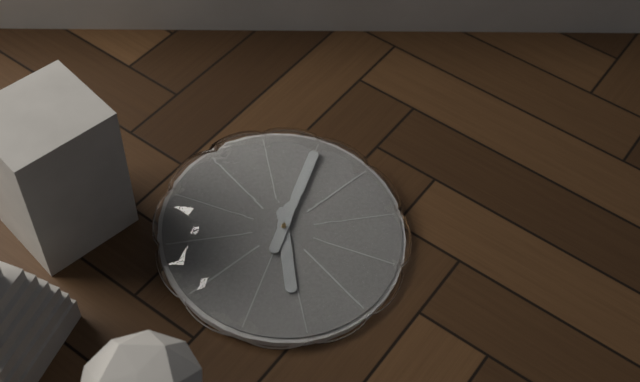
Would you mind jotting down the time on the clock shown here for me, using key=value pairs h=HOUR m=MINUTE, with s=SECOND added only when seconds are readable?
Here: h=7 m=10
